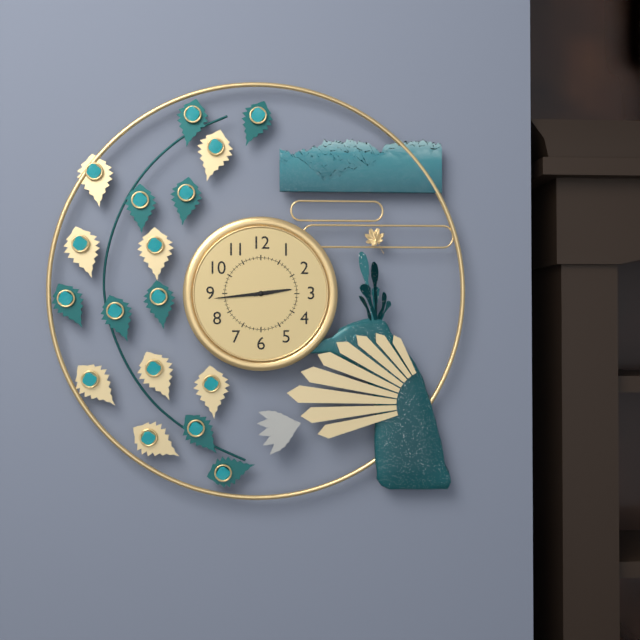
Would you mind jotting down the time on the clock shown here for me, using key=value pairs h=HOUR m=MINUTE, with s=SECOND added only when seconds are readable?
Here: h=2 m=44 s=44
